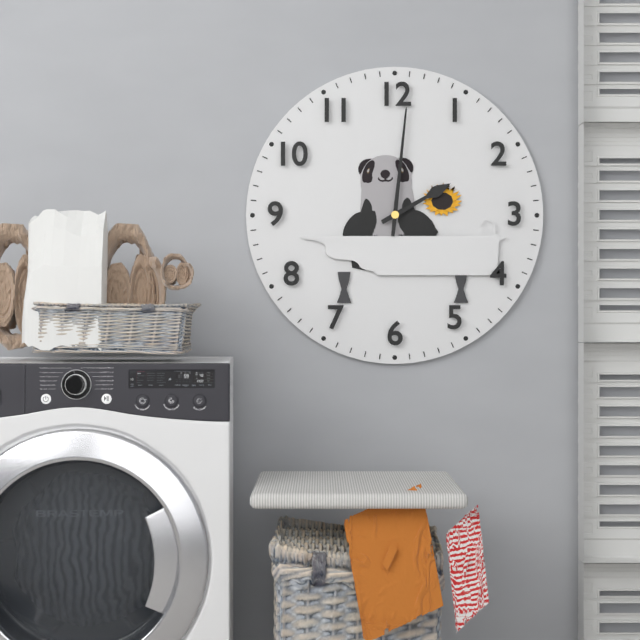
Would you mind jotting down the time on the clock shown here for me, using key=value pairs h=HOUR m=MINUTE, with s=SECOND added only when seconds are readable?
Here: h=2 m=1
